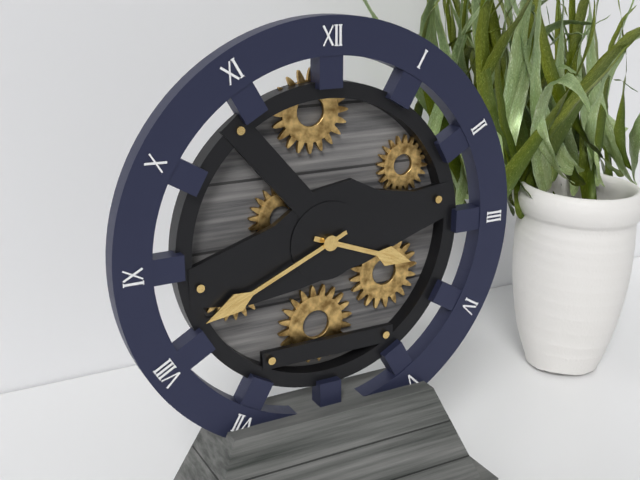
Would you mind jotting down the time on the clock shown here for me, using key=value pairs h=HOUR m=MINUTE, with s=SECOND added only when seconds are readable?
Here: h=3 m=41
